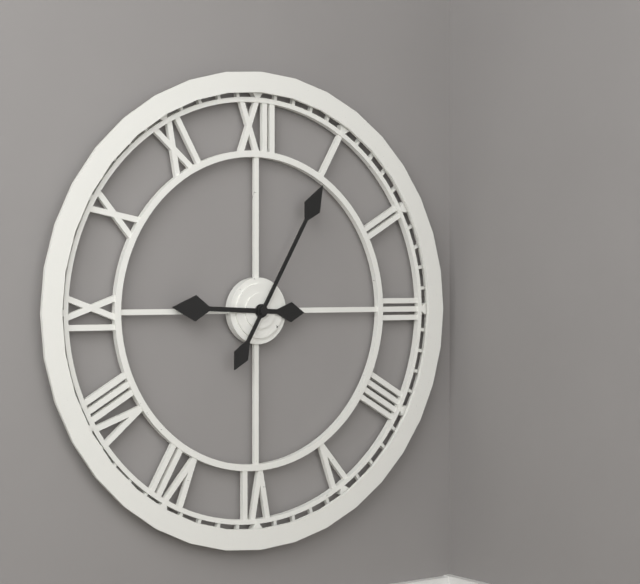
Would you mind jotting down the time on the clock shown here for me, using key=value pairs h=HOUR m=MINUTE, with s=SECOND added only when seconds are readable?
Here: h=9 m=5
